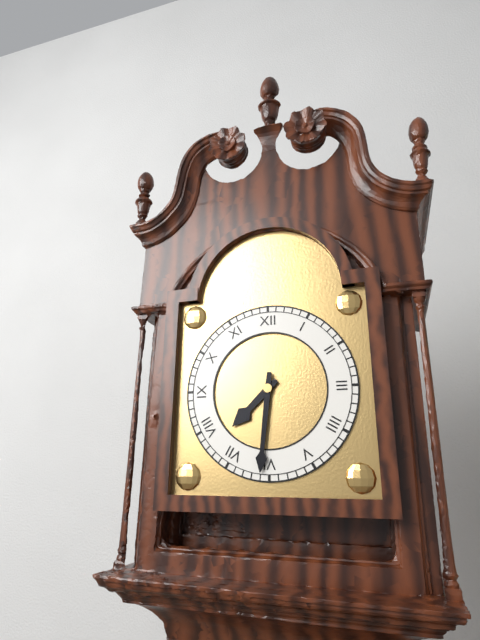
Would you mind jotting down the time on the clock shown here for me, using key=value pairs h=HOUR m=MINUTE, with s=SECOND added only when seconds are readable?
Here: h=7 m=31
